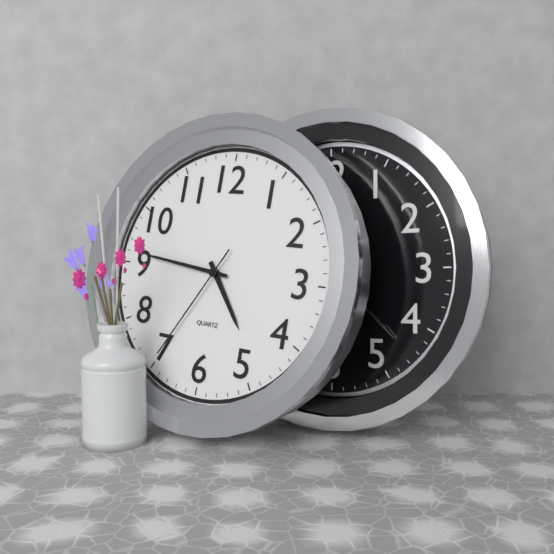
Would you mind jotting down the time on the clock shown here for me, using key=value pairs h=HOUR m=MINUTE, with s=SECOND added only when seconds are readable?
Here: h=4 m=46 s=35
